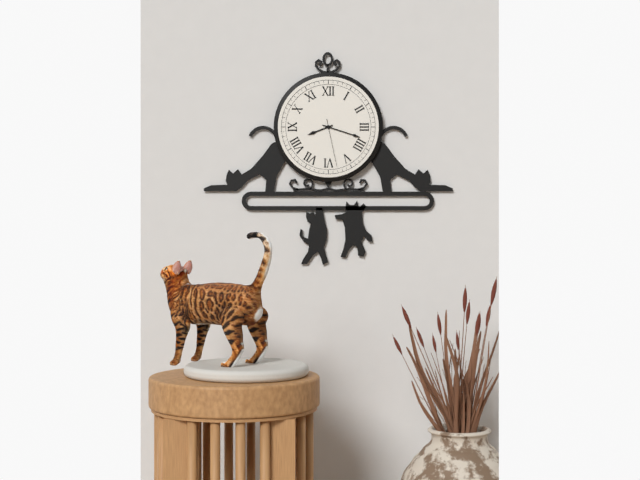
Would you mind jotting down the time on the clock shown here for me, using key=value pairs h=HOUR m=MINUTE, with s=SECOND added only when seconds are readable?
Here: h=8 m=18
